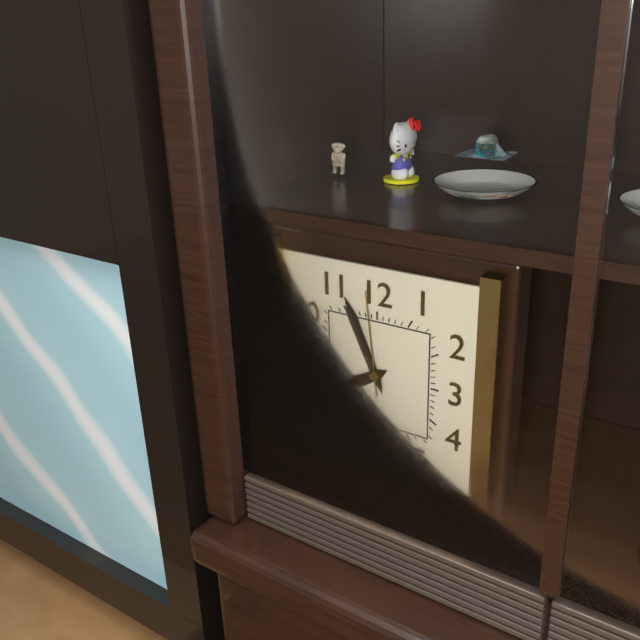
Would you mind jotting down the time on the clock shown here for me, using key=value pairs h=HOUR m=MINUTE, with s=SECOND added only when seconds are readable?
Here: h=7 m=56 s=59
